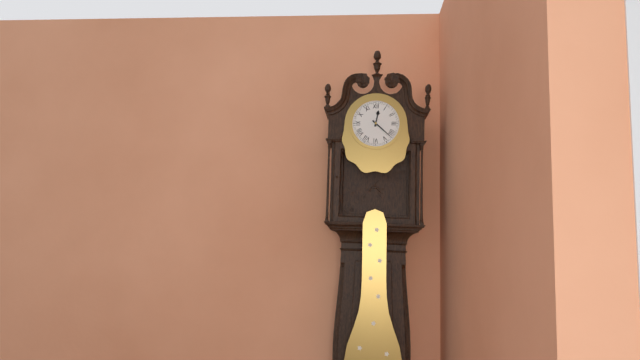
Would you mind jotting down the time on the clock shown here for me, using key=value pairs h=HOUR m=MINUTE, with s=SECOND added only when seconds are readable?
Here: h=12 m=22
